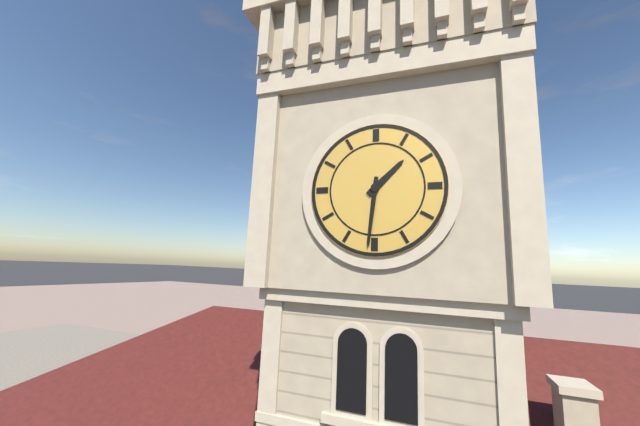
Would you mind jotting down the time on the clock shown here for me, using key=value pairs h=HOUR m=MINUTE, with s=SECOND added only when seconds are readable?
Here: h=1 m=31
